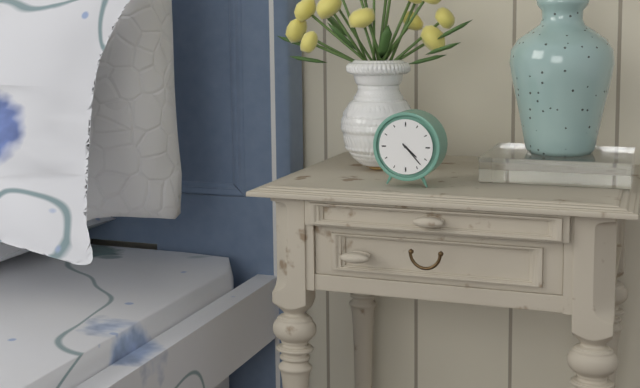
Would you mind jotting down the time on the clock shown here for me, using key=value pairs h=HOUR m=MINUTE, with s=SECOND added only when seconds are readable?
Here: h=4 m=23
